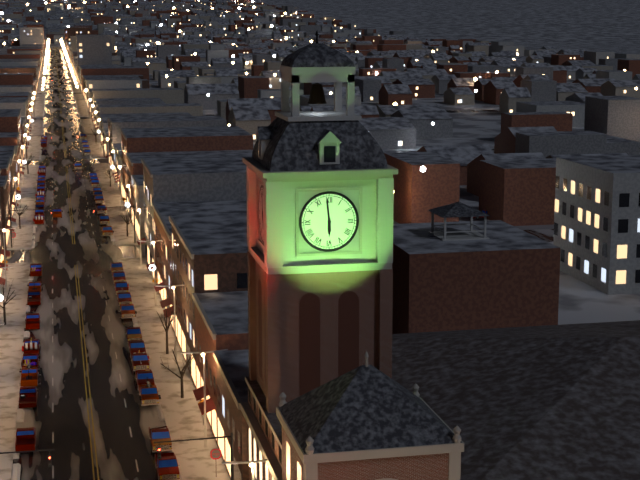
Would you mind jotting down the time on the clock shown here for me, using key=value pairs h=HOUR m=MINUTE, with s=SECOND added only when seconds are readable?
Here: h=5 m=59
